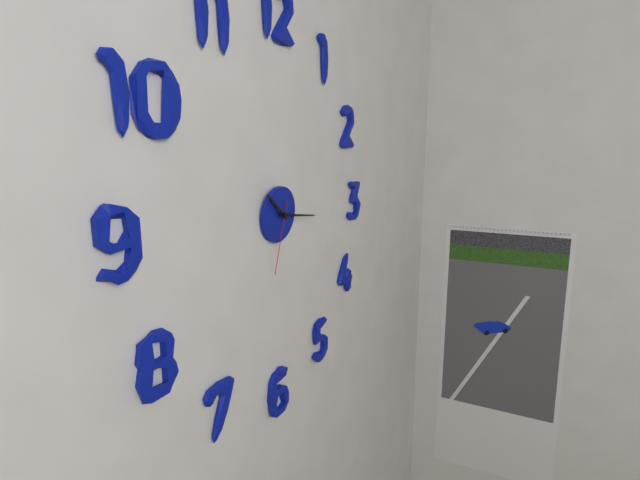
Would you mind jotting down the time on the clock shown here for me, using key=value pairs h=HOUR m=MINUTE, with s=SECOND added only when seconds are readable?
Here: h=10 m=16 s=33
